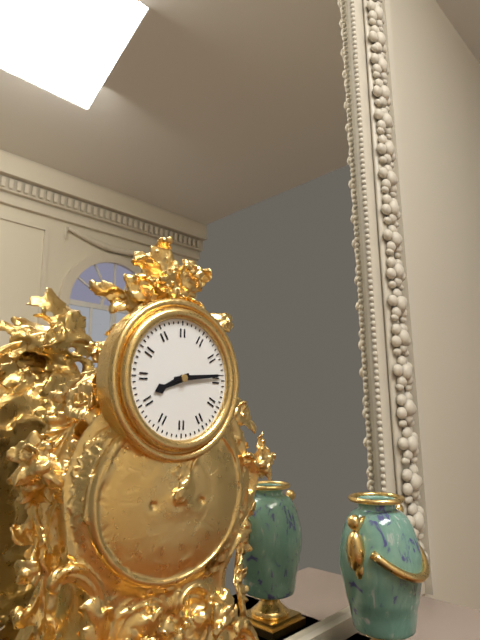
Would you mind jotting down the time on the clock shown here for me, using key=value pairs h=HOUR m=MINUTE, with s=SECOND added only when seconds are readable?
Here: h=8 m=14
